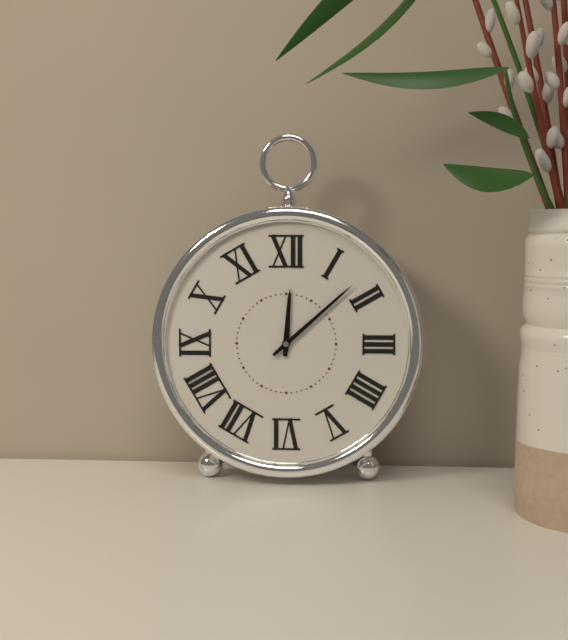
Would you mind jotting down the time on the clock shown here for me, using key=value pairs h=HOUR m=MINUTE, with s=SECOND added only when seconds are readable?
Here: h=12 m=8
